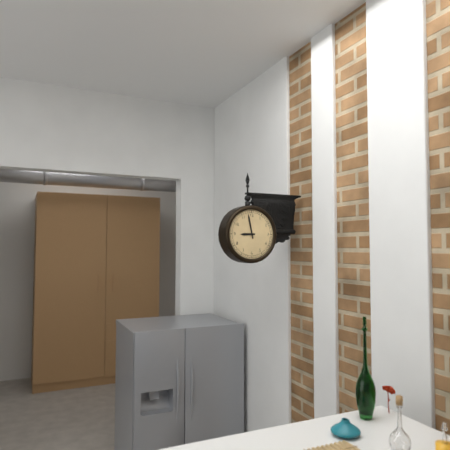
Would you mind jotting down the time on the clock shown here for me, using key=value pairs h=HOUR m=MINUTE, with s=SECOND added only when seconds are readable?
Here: h=8 m=58
